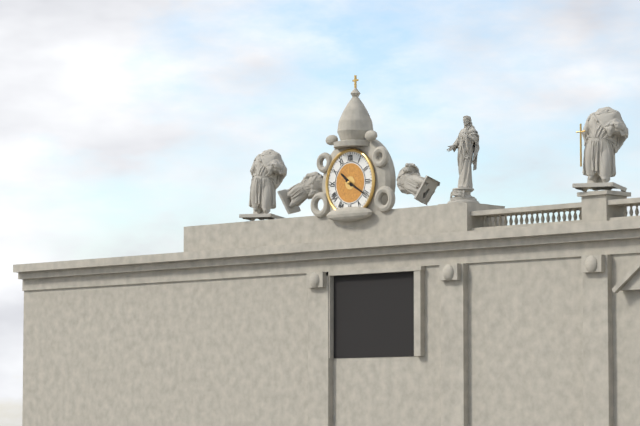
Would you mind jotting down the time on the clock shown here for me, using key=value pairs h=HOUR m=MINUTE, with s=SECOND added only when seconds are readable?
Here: h=10 m=20
